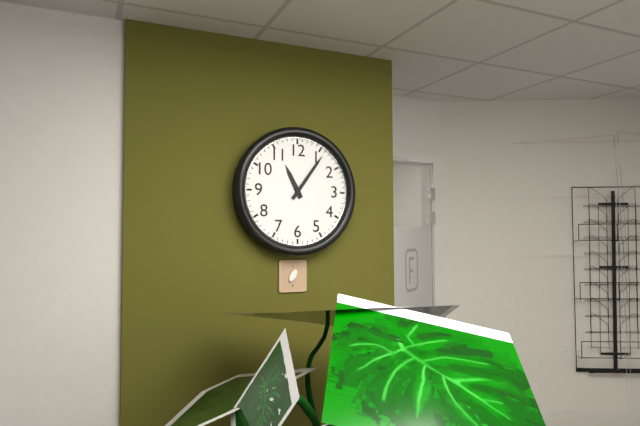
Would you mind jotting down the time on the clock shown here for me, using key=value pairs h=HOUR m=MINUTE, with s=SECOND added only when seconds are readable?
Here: h=11 m=6
